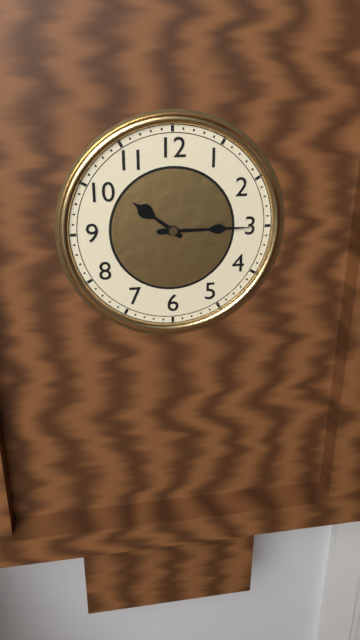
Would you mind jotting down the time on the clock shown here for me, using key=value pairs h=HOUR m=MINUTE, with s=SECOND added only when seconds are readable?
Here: h=10 m=15
